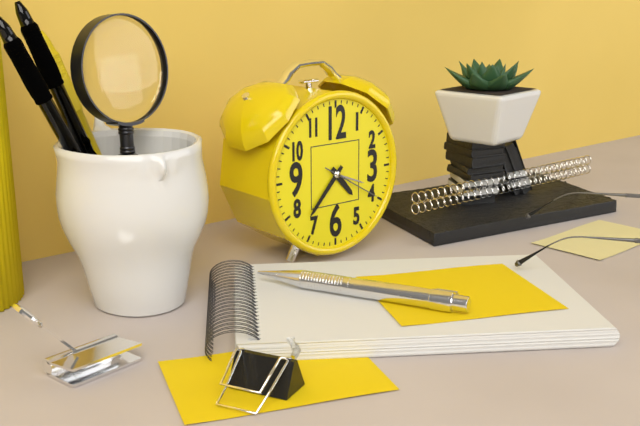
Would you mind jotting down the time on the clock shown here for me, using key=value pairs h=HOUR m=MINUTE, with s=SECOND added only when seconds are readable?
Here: h=4 m=37 s=20
